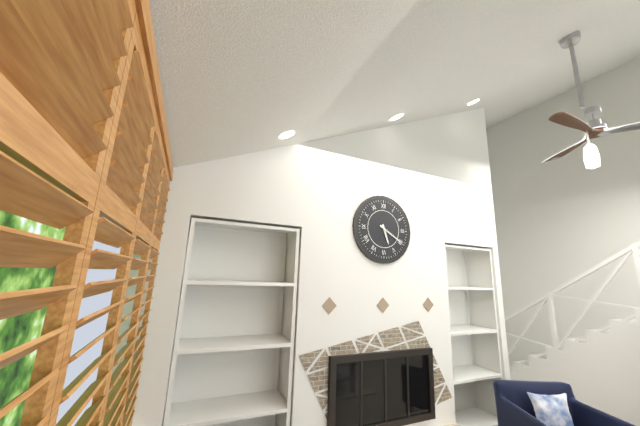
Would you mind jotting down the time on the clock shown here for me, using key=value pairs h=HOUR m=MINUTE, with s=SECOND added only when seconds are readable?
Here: h=5 m=20
